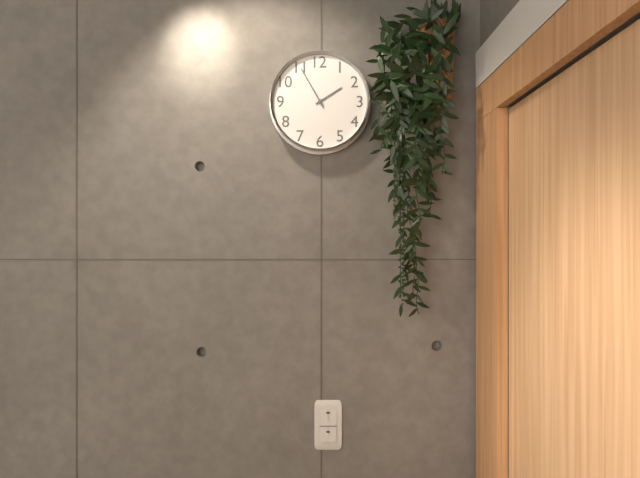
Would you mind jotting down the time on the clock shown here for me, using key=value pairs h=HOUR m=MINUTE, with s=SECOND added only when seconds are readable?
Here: h=1 m=55
